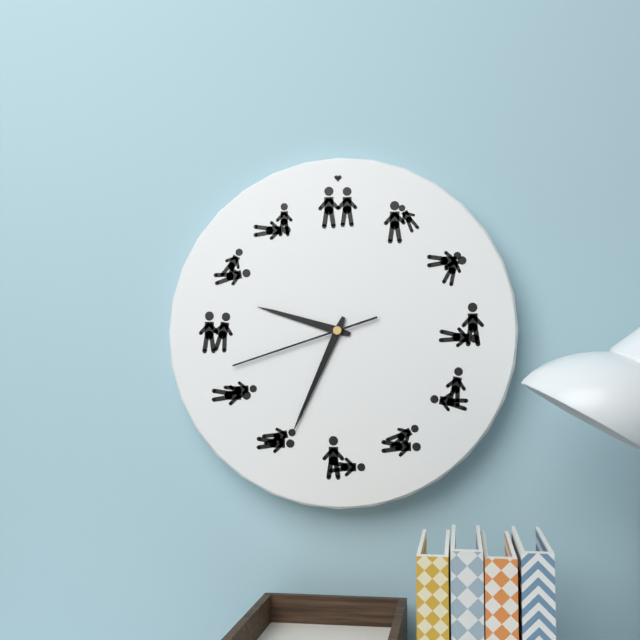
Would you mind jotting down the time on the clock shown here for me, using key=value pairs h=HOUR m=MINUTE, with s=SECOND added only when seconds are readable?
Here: h=9 m=34 s=42
